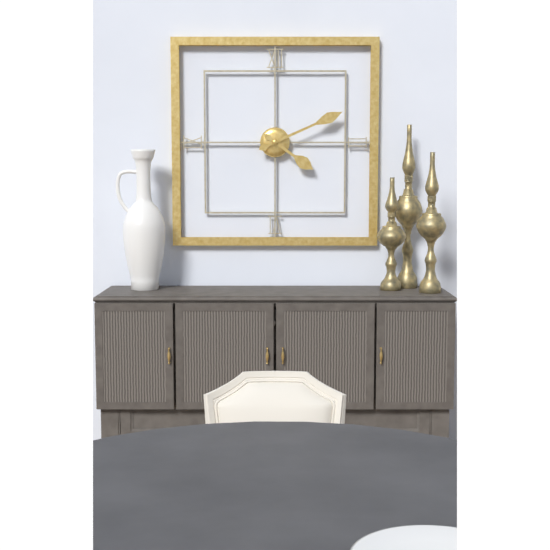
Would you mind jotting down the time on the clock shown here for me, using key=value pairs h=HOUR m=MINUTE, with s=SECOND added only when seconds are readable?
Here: h=4 m=11
